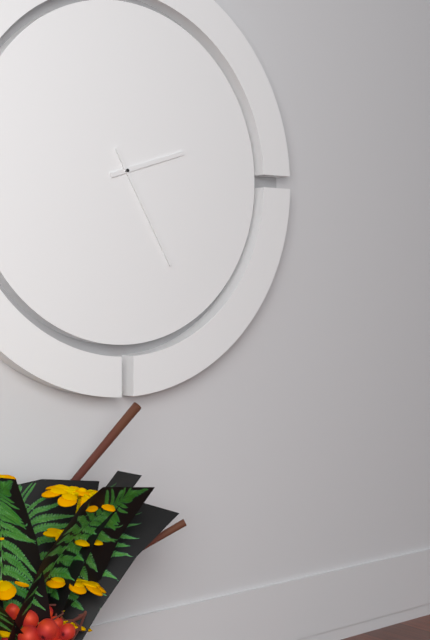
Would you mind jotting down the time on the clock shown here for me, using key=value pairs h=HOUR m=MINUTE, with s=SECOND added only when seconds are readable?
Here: h=2 m=25
